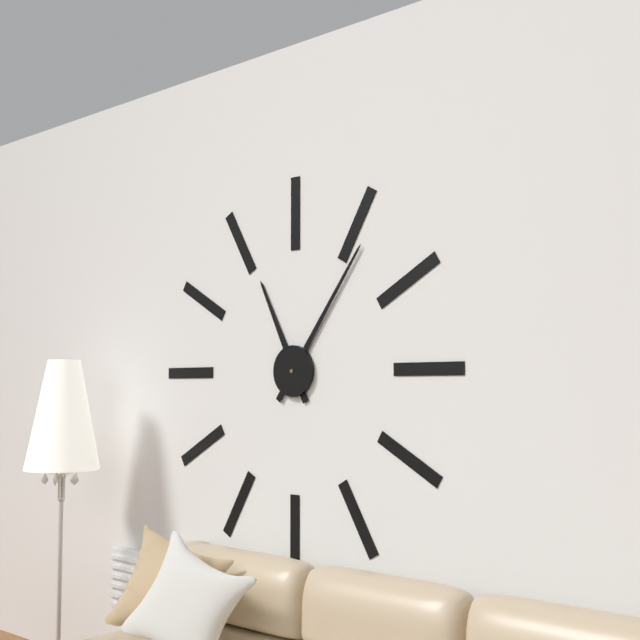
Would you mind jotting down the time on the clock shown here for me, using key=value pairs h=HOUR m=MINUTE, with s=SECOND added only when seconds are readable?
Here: h=11 m=6
